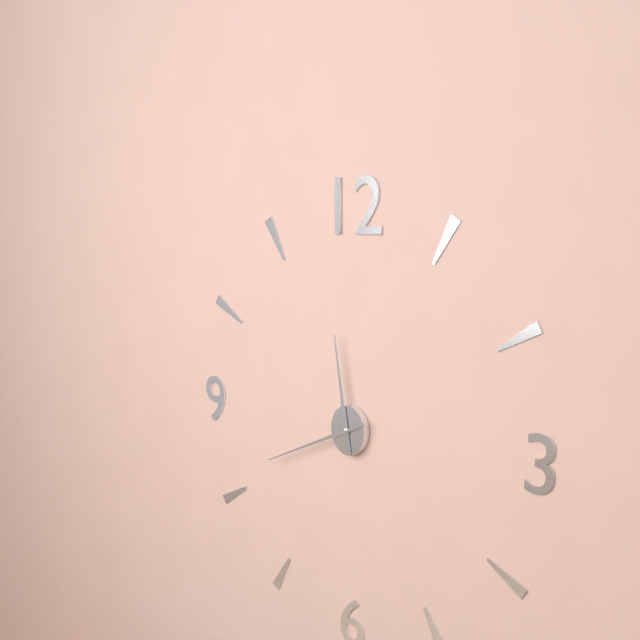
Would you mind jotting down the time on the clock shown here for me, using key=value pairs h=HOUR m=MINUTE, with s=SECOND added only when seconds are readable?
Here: h=11 m=41
